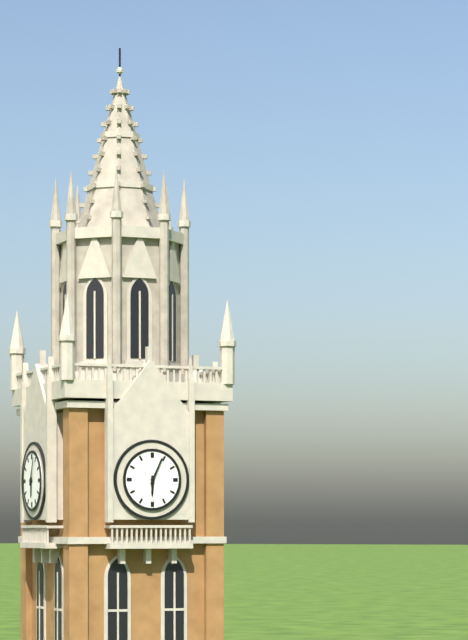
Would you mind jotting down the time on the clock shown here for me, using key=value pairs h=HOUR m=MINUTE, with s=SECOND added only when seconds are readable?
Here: h=6 m=4
